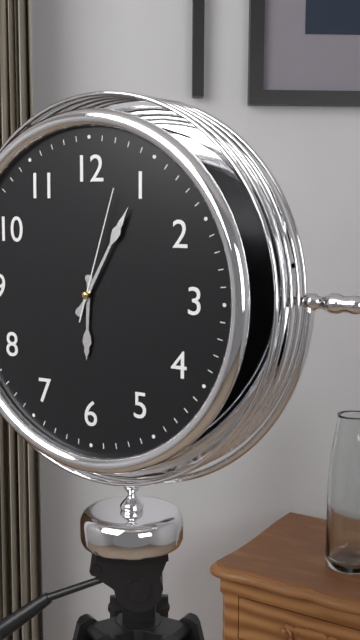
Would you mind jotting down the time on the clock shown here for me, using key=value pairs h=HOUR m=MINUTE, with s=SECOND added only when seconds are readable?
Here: h=6 m=5 s=3
